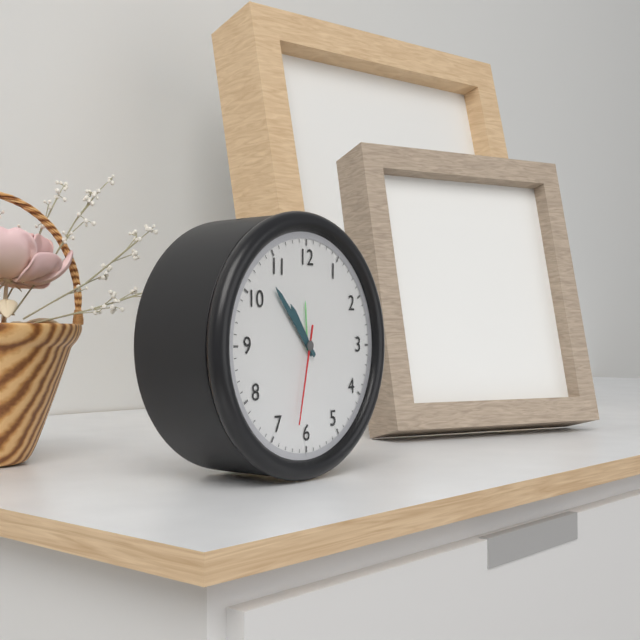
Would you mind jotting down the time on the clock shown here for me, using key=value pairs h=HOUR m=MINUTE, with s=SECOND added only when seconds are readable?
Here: h=10 m=53 s=32
